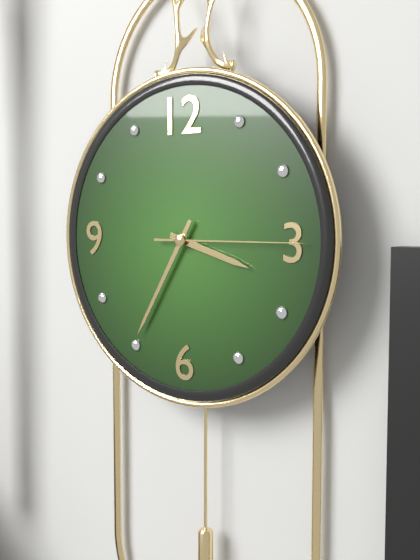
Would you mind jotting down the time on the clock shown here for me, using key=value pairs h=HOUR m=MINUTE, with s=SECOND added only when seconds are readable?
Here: h=3 m=35 s=15
